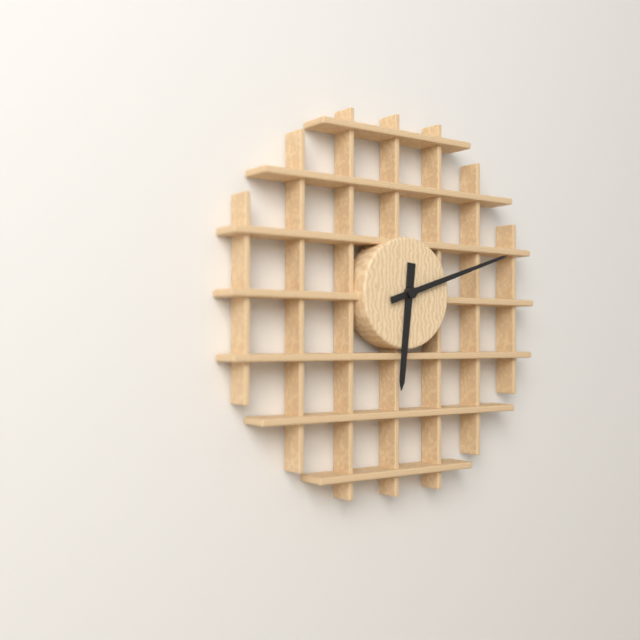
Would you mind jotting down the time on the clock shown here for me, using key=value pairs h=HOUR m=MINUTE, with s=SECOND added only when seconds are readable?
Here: h=6 m=12
